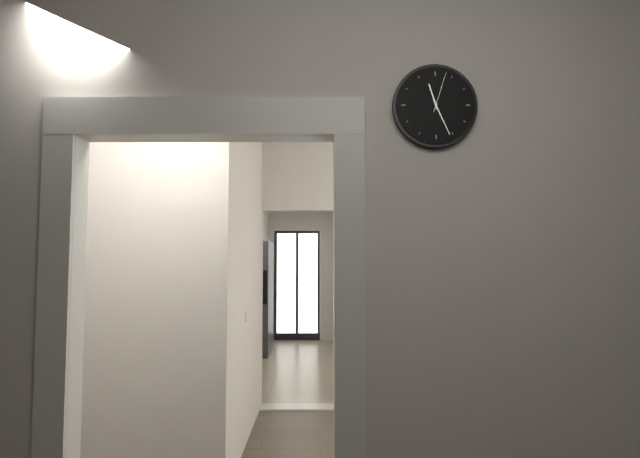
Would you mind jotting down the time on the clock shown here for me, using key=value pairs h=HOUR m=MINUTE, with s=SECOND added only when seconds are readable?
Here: h=11 m=26
